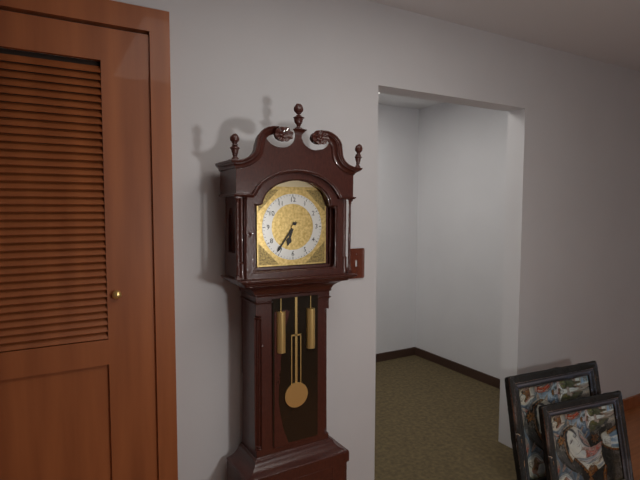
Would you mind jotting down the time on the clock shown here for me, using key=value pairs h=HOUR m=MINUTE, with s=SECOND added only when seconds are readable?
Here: h=6 m=36
